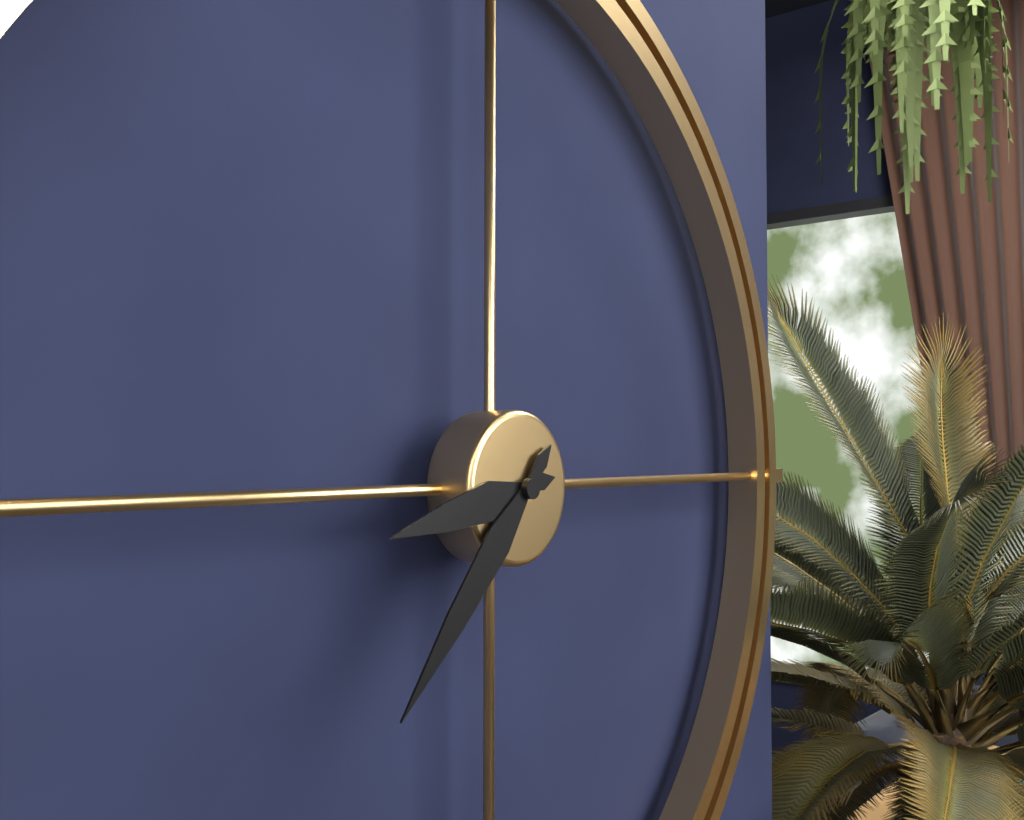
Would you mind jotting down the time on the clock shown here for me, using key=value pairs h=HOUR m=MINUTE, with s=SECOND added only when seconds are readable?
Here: h=8 m=37
